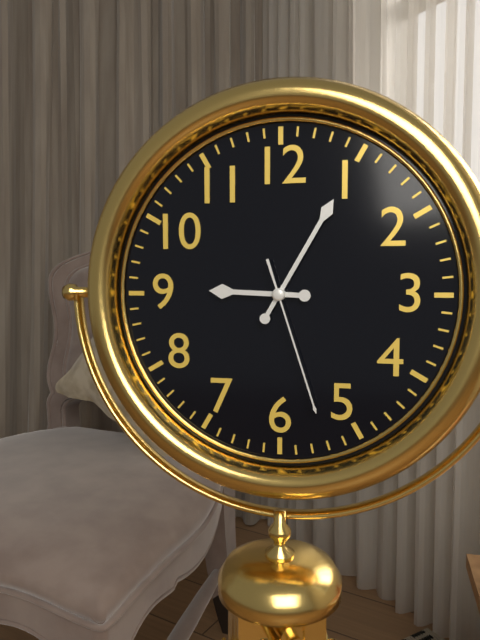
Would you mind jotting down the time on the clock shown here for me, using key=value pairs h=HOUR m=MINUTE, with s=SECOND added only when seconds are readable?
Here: h=9 m=5 s=27
